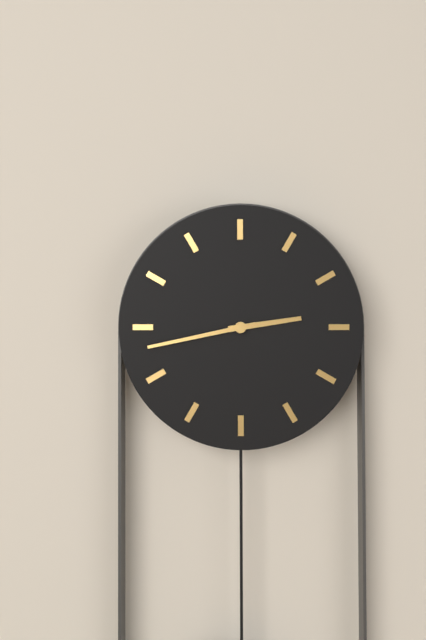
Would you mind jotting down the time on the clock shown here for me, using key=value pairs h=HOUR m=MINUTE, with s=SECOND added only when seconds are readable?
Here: h=2 m=43
